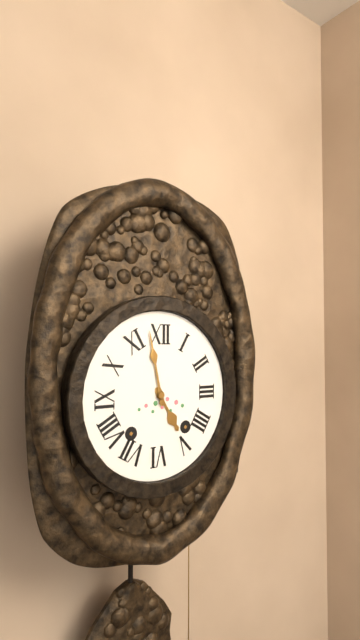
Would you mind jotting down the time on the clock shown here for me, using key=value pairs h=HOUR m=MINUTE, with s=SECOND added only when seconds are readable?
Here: h=4 m=58
